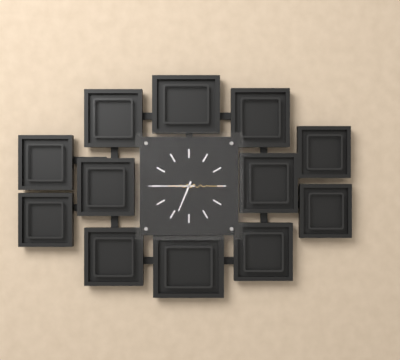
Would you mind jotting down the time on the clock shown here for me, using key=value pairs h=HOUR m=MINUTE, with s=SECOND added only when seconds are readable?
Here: h=6 m=45
